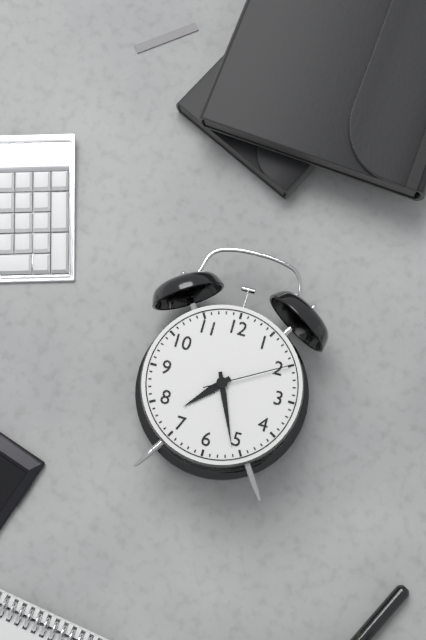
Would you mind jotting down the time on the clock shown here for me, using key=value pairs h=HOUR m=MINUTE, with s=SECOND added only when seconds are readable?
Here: h=7 m=26 s=10
